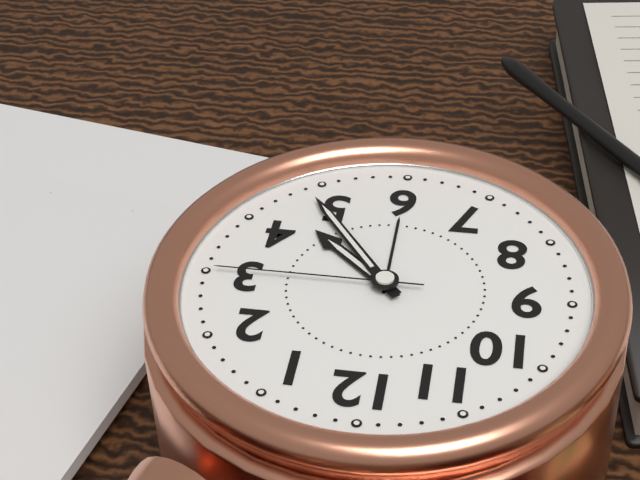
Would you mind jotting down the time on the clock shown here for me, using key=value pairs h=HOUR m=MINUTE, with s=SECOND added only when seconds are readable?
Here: h=4 m=24 s=15
